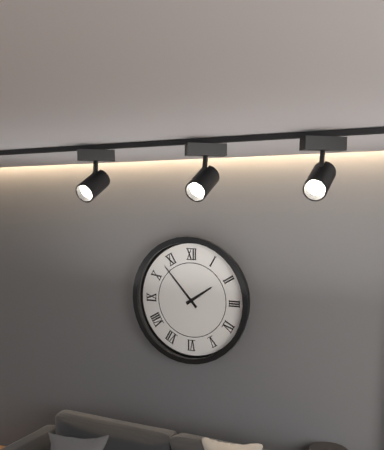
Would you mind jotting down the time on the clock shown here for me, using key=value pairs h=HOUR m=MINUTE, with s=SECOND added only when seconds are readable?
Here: h=1 m=53
